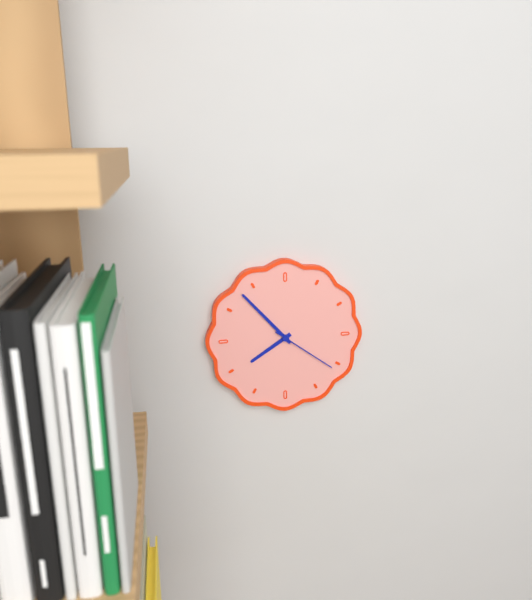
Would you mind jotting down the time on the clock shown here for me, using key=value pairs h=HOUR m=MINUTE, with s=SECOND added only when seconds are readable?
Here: h=7 m=53 s=21
